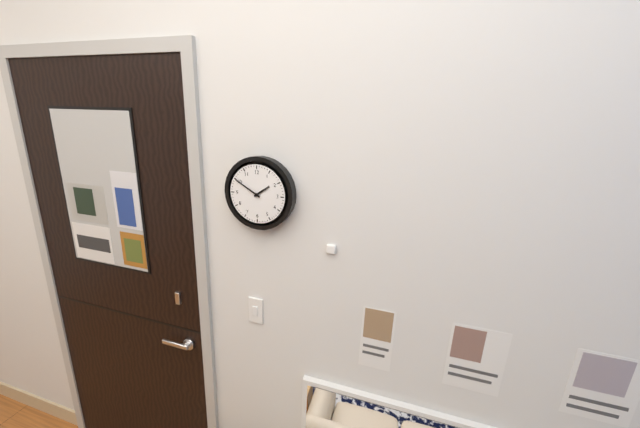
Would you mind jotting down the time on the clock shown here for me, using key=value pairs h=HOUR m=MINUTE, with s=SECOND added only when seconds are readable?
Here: h=1 m=50
